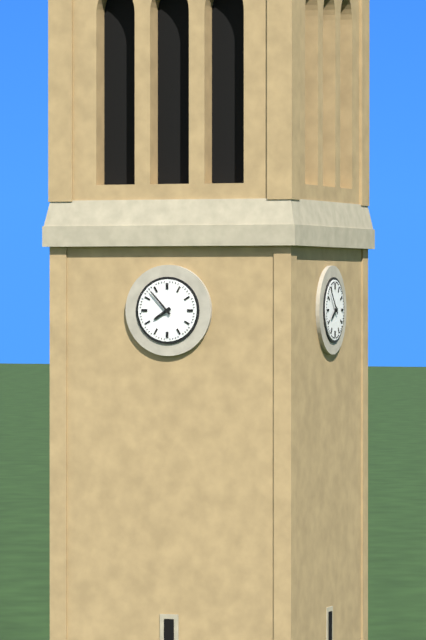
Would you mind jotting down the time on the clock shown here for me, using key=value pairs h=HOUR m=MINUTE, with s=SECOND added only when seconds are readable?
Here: h=7 m=53
